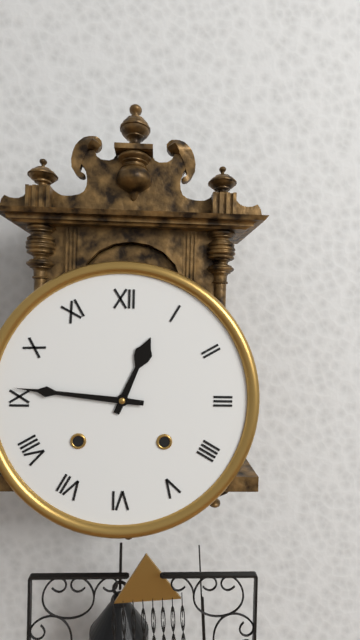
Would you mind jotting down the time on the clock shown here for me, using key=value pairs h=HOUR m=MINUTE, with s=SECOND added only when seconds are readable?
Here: h=12 m=46
